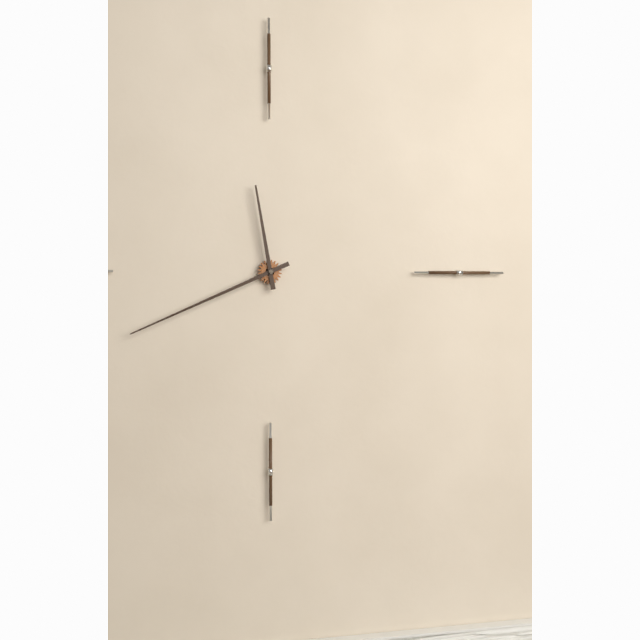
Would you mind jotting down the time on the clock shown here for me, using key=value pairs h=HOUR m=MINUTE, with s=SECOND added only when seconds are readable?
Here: h=11 m=41
